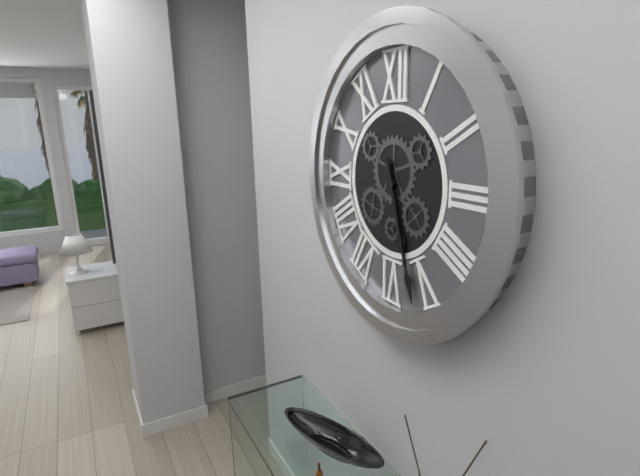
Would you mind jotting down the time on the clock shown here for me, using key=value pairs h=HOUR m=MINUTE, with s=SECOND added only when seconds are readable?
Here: h=5 m=27
